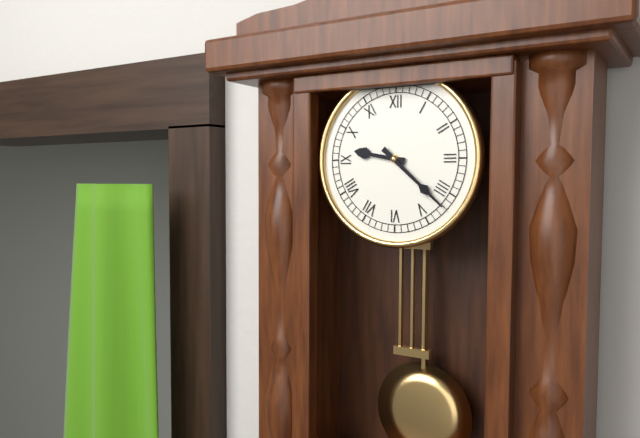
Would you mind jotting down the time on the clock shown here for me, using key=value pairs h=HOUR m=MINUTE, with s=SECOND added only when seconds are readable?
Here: h=9 m=22
